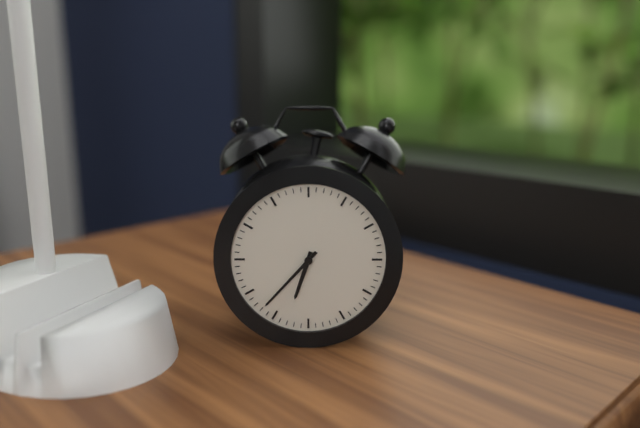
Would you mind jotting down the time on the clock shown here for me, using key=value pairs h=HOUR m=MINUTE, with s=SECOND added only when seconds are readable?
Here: h=6 m=37
